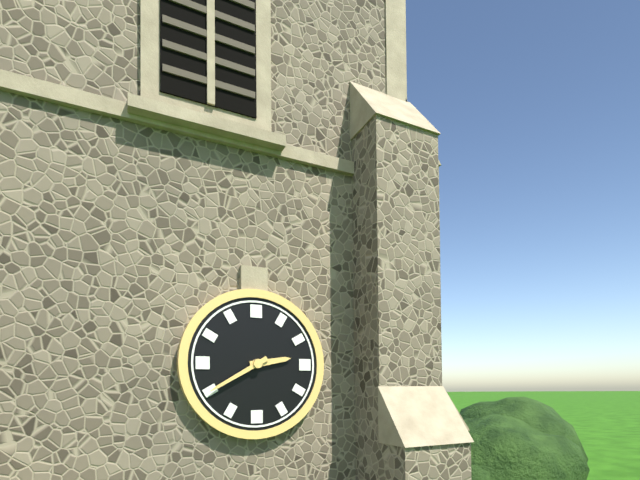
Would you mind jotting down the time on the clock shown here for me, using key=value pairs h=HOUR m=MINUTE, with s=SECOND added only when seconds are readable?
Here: h=2 m=40
